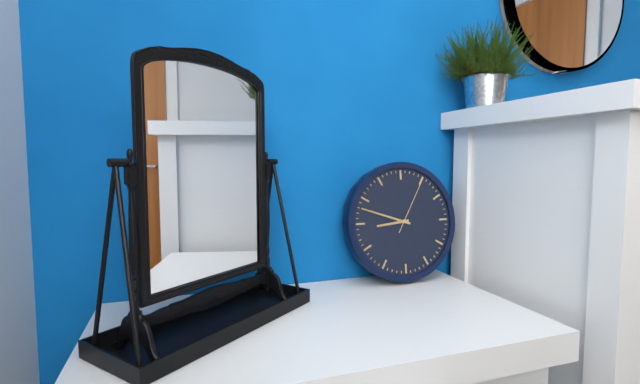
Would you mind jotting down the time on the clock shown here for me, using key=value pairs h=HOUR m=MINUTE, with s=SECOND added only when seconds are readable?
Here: h=8 m=48 s=5
